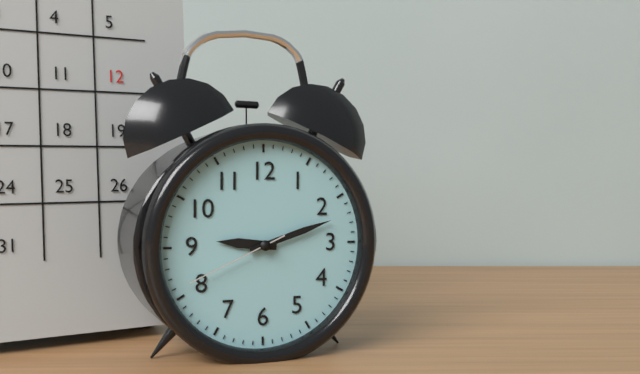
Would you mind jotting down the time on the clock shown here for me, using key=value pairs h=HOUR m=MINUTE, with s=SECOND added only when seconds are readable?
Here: h=9 m=12 s=41
